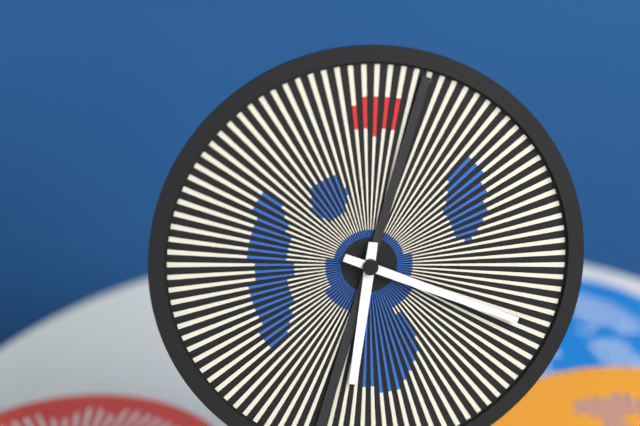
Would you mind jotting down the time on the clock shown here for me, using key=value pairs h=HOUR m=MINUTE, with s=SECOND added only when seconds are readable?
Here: h=6 m=19
